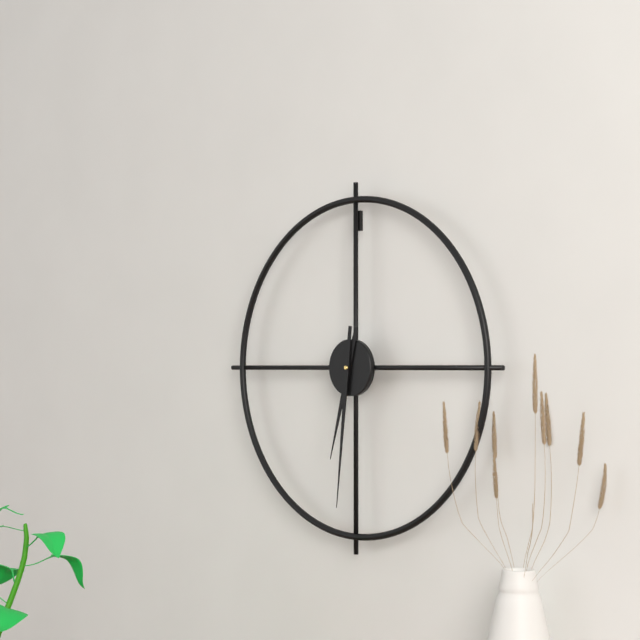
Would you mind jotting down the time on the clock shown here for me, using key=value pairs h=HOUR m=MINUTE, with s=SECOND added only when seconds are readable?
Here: h=6 m=31
